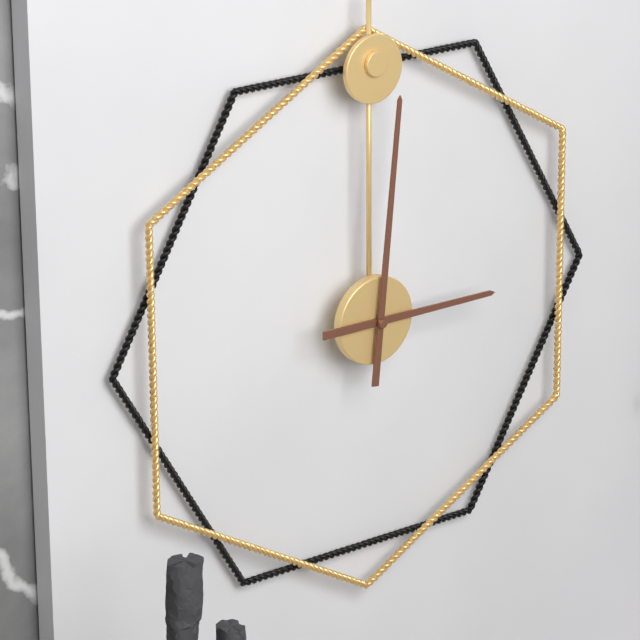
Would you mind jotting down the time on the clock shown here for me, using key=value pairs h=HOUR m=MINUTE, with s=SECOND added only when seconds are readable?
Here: h=3 m=1
